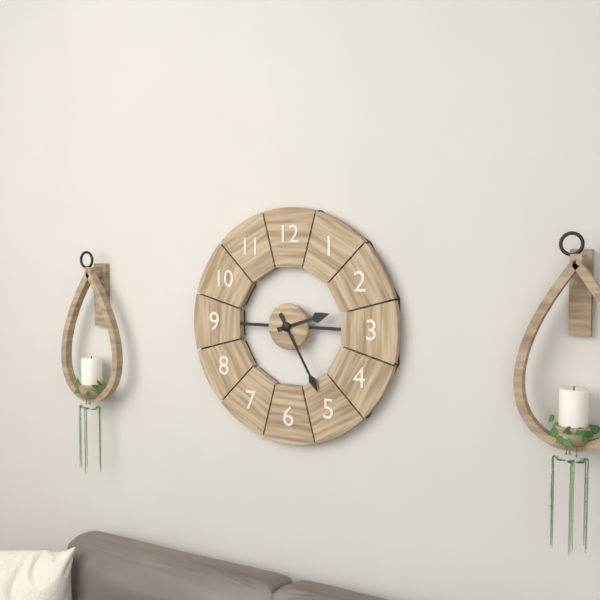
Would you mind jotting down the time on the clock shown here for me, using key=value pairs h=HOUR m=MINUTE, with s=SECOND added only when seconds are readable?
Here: h=2 m=25
